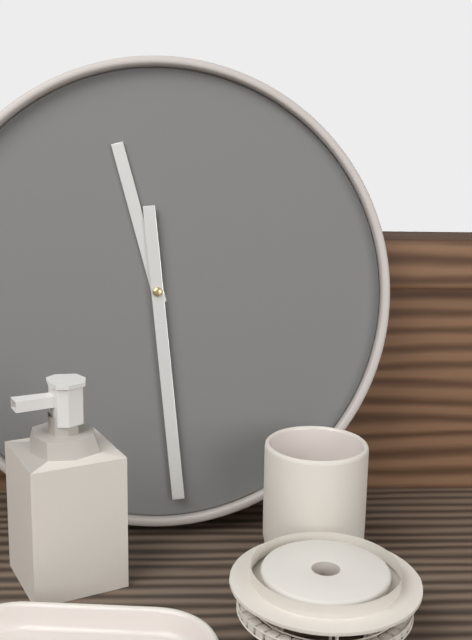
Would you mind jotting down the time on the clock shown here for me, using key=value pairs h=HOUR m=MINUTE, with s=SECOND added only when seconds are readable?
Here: h=11 m=29
